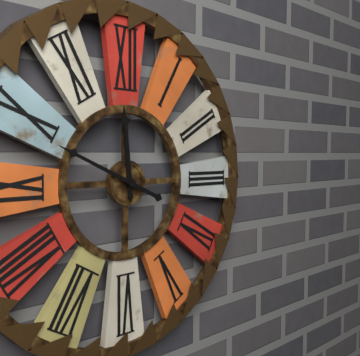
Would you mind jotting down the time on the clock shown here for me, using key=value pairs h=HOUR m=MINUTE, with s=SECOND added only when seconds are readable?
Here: h=11 m=49
